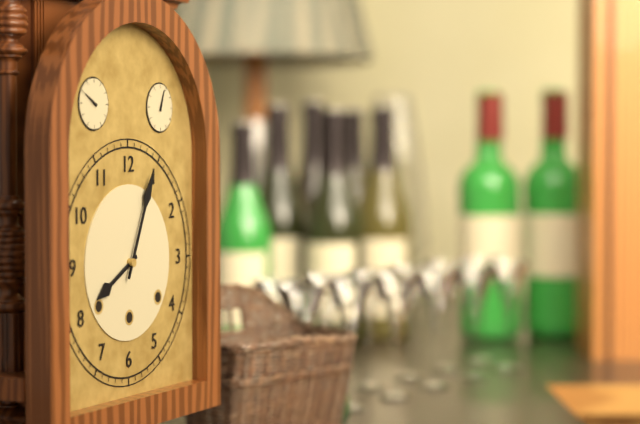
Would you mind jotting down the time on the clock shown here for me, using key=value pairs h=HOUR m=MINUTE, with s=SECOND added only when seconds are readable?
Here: h=8 m=4
